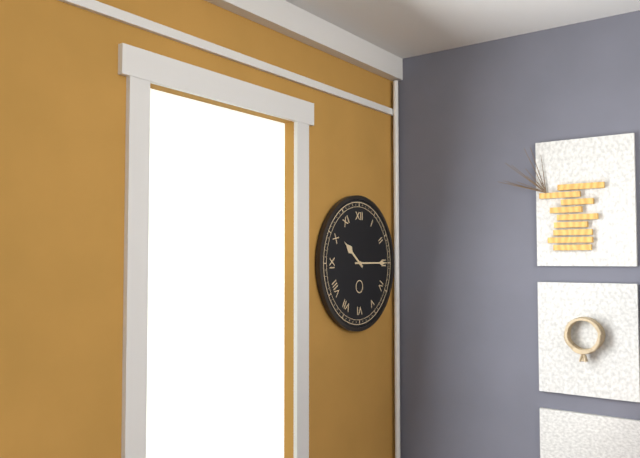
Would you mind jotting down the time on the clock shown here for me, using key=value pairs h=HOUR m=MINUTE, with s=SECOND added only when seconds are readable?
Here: h=10 m=15
